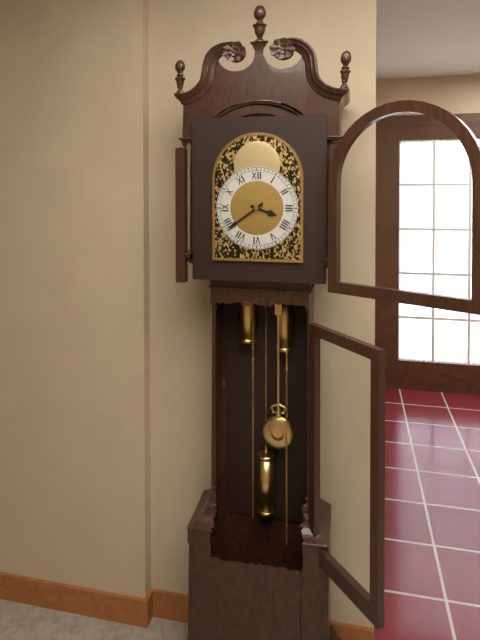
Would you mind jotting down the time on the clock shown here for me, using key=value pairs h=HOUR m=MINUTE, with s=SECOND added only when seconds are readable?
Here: h=3 m=39
